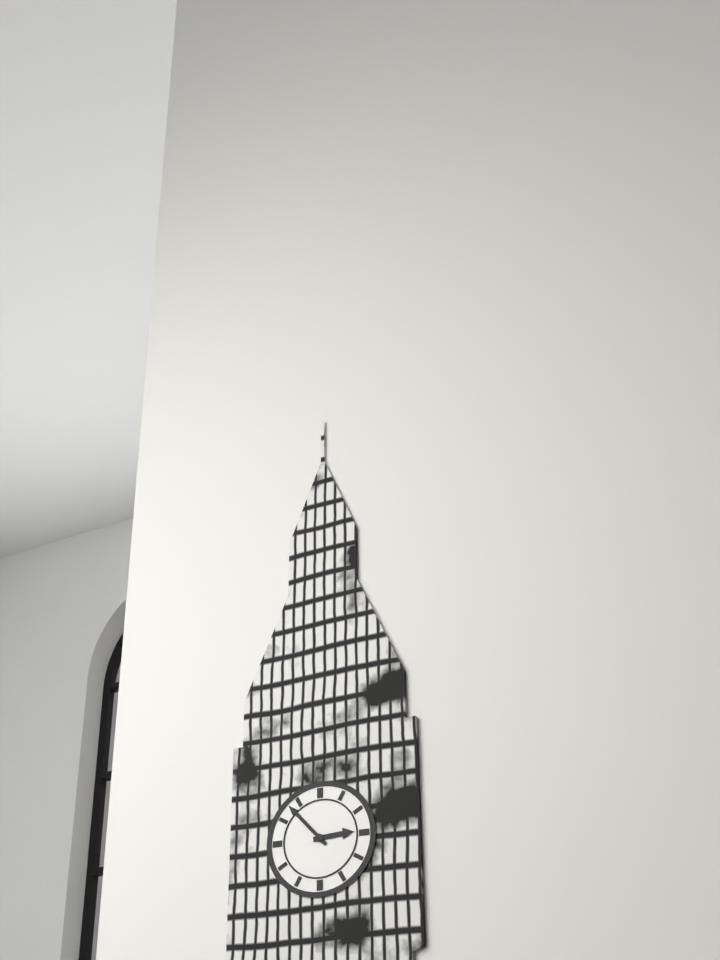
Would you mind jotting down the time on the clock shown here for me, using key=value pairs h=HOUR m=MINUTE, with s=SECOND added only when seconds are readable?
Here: h=2 m=53
